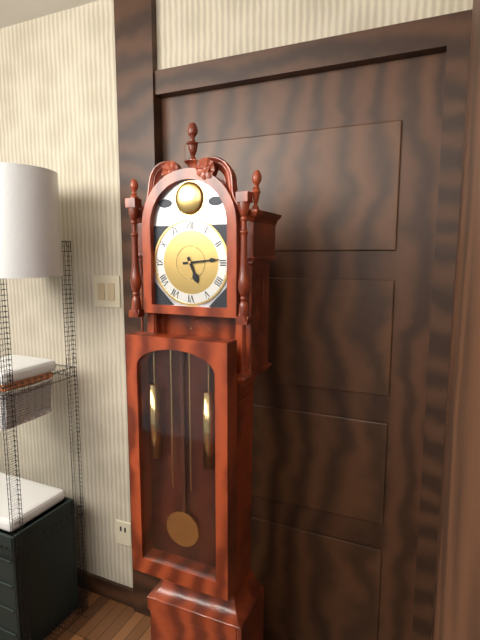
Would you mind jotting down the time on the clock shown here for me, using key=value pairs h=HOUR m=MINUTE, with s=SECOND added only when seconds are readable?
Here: h=5 m=14
